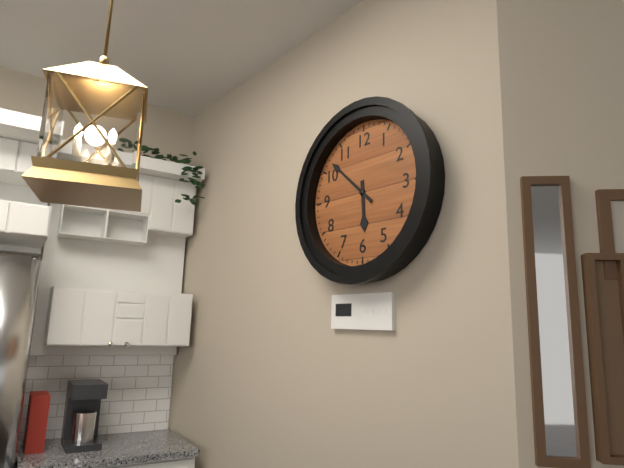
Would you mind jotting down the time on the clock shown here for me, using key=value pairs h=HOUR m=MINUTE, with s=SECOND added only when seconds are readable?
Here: h=5 m=52
